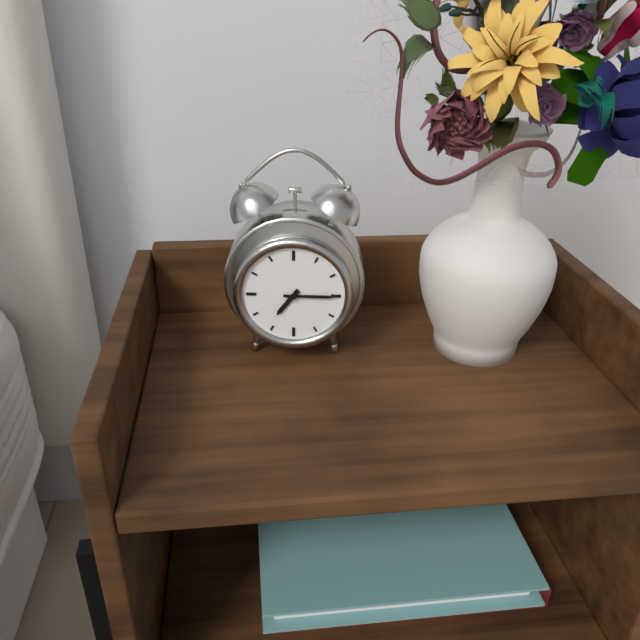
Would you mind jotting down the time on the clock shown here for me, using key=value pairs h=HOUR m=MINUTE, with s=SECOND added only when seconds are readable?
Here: h=7 m=15
